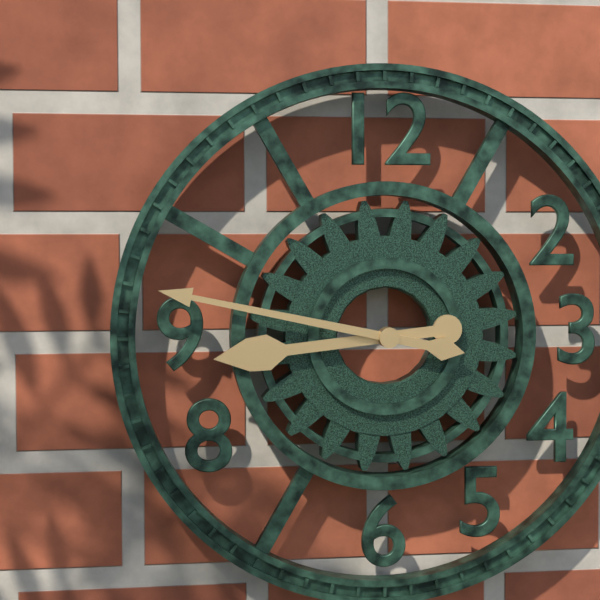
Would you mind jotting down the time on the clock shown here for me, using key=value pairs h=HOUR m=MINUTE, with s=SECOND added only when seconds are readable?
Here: h=8 m=47
